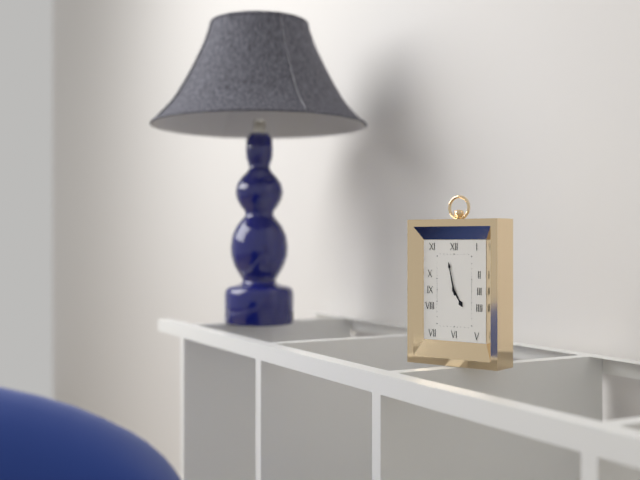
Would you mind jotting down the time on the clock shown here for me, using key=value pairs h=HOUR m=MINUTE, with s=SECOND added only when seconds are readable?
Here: h=4 m=58
